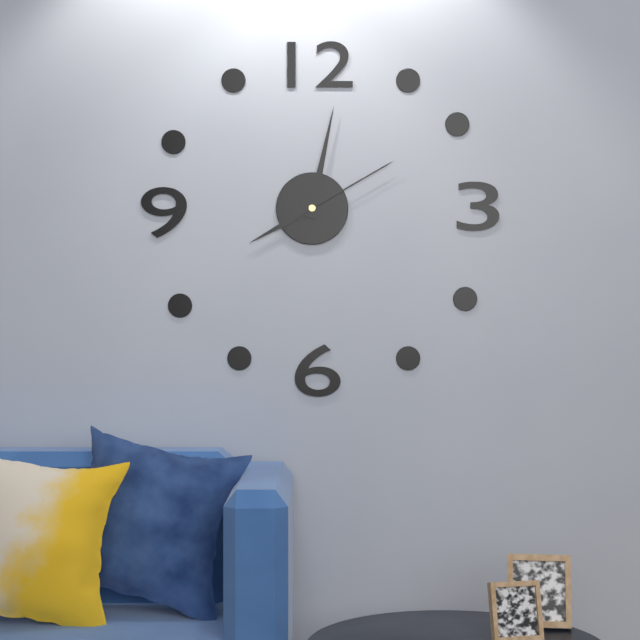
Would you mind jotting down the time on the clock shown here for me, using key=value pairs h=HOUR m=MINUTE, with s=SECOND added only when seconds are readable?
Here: h=8 m=2 s=10
